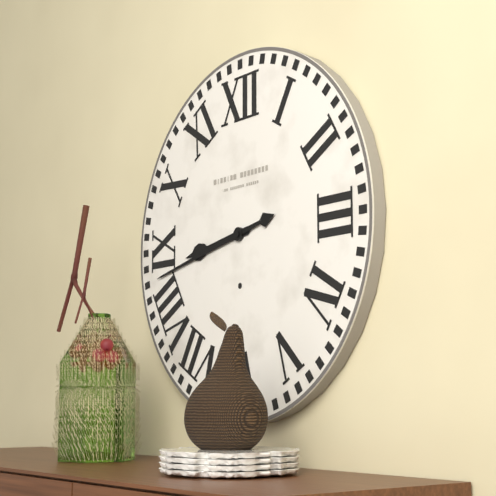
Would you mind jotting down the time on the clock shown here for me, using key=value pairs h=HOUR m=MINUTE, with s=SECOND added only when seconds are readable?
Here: h=8 m=43
